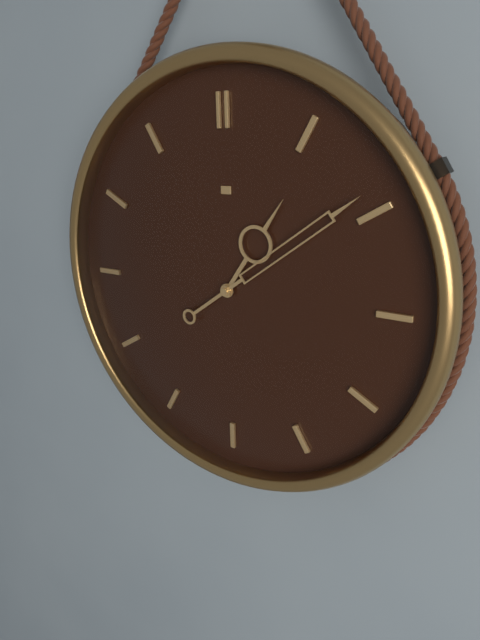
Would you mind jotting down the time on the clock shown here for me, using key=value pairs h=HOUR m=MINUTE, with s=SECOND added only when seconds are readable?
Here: h=1 m=9
